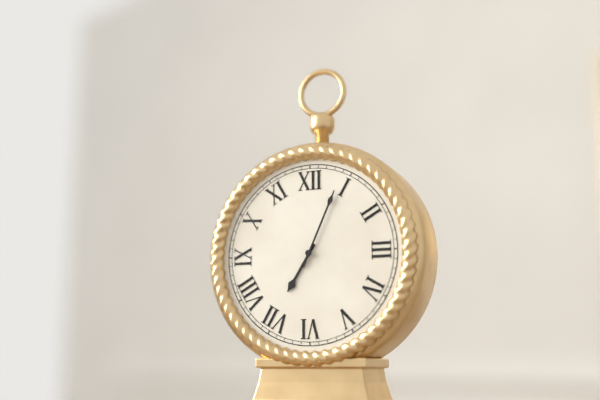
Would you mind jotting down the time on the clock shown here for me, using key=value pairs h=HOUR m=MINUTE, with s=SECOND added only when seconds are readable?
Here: h=7 m=4
